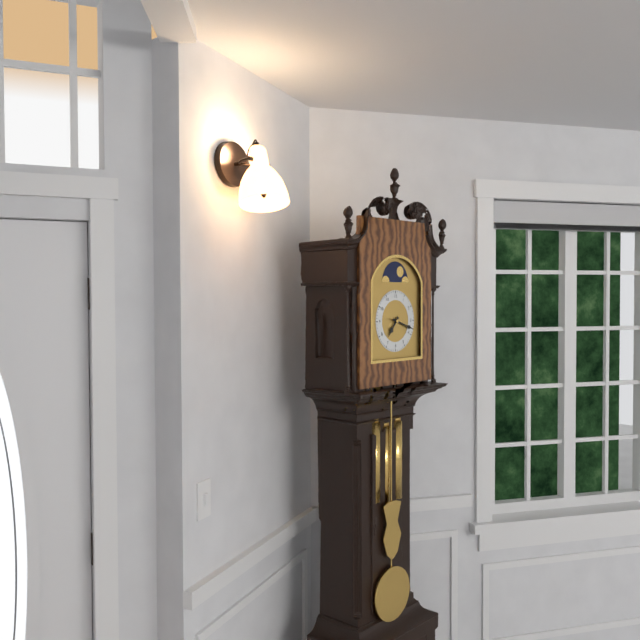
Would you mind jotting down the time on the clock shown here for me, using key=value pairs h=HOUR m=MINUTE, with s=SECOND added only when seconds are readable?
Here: h=7 m=18
